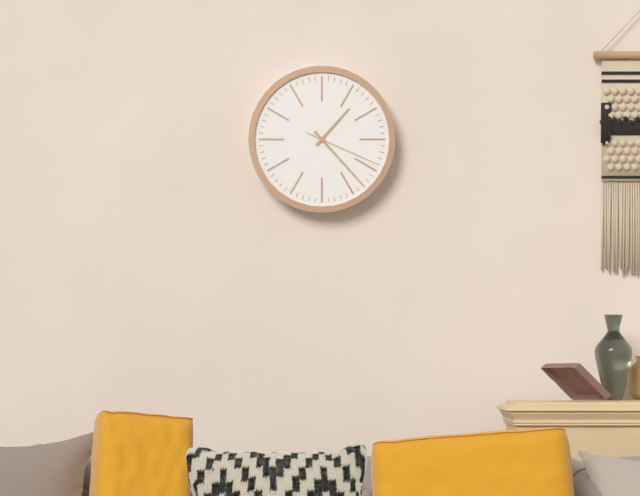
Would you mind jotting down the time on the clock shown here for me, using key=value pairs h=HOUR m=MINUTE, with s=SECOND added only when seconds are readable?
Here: h=1 m=23 s=19
